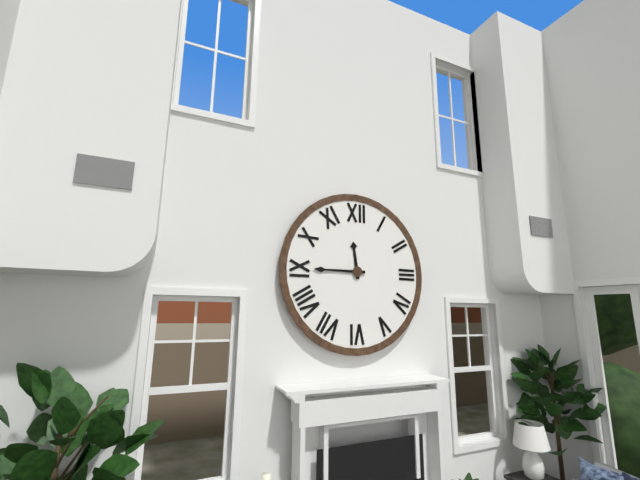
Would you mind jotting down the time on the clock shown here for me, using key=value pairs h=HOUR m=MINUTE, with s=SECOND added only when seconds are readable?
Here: h=11 m=45
